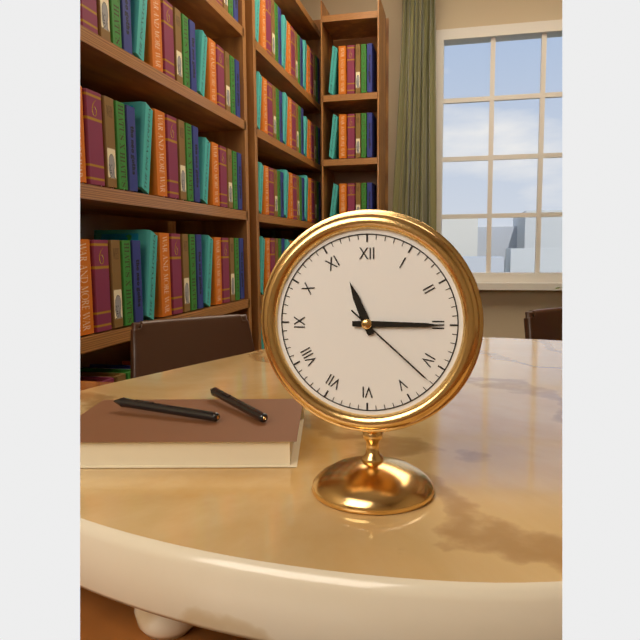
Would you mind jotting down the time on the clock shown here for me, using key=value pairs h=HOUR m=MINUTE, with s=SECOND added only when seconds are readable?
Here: h=11 m=15 s=22
